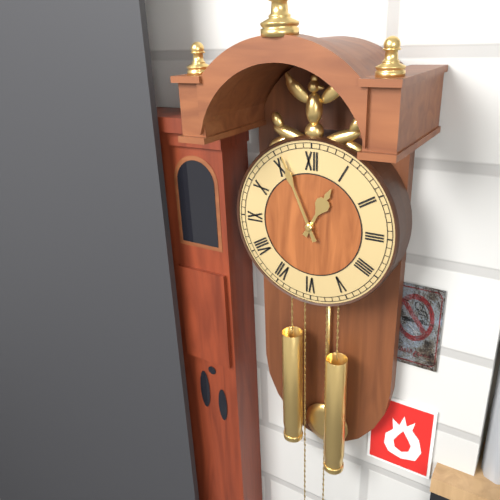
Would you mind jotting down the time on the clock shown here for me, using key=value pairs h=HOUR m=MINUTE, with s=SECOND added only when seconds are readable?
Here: h=12 m=56
